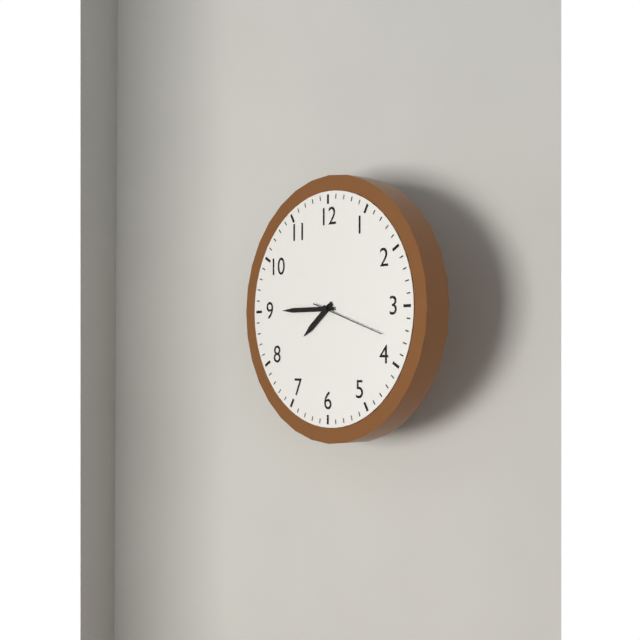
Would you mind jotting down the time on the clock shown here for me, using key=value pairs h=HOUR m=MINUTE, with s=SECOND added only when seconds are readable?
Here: h=7 m=45
